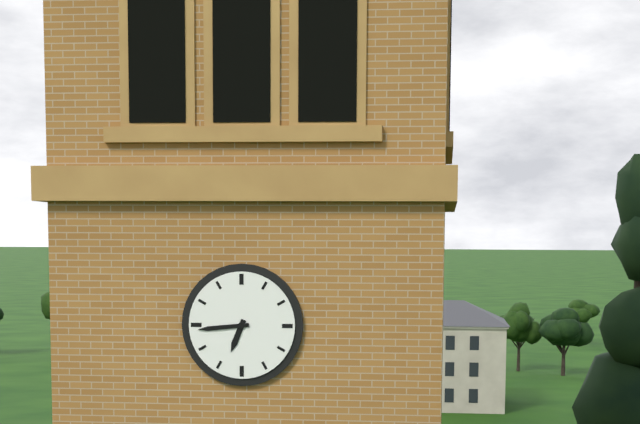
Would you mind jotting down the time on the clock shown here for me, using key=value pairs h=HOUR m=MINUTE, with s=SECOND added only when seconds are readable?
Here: h=6 m=44
